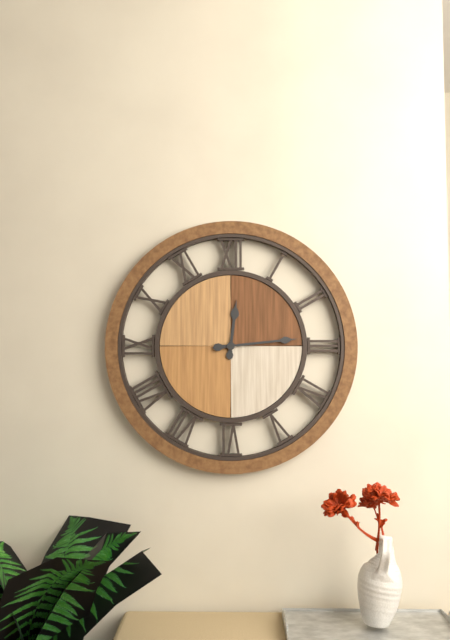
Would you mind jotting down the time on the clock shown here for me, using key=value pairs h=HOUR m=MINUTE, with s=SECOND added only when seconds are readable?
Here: h=12 m=14
